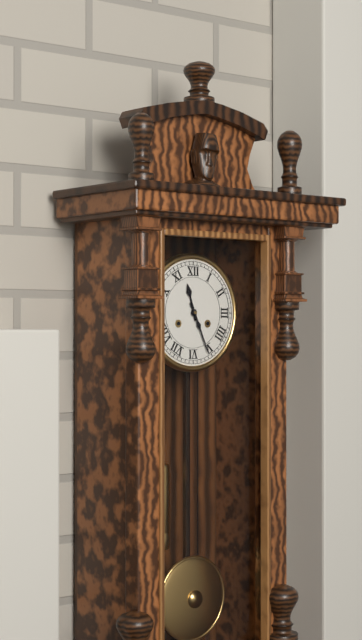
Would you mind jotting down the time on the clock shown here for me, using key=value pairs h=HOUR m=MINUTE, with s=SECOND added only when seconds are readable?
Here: h=11 m=26
